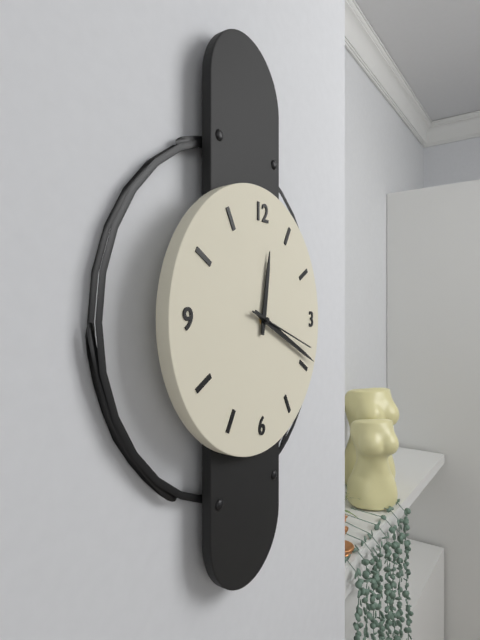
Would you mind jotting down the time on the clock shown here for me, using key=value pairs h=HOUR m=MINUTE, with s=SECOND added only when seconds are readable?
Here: h=12 m=19 s=18
